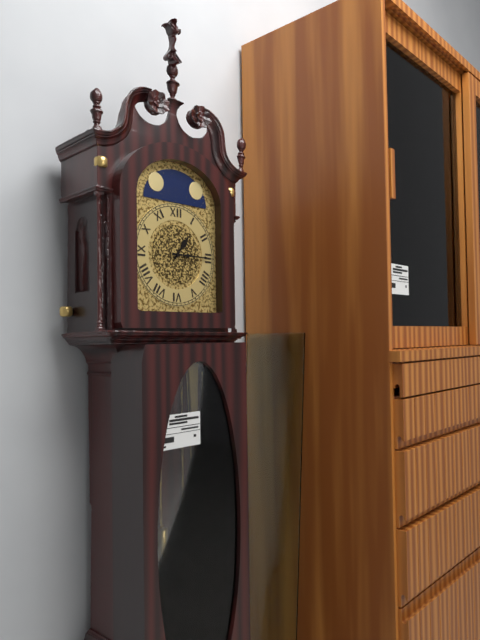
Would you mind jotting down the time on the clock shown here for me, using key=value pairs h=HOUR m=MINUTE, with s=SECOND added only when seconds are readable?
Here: h=1 m=15
